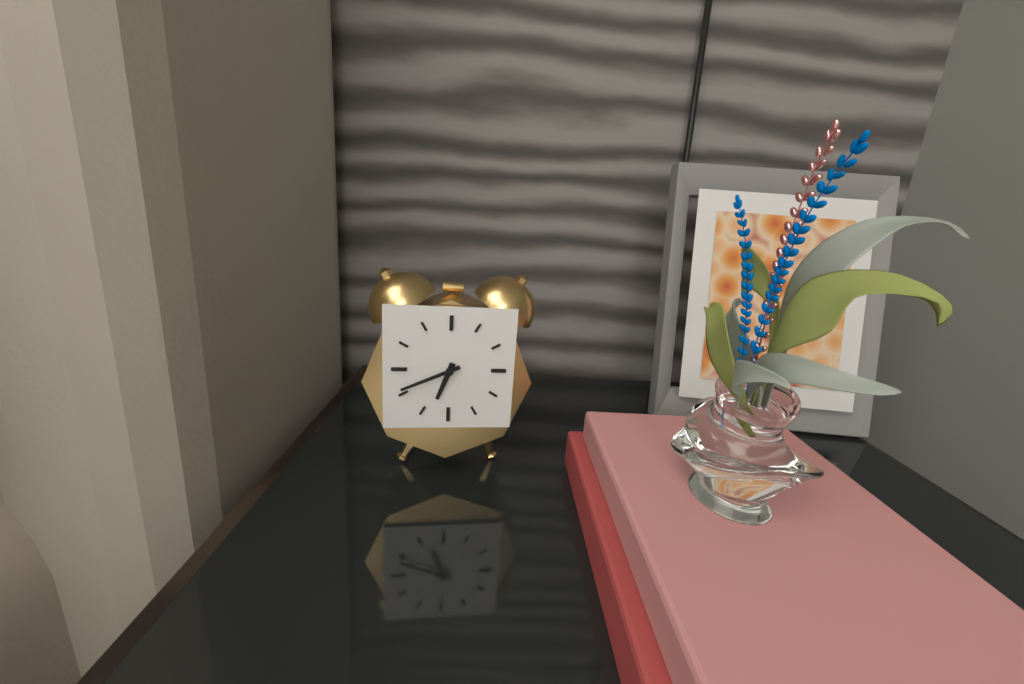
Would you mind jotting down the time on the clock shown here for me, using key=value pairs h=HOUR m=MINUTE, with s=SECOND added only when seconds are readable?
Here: h=6 m=41
